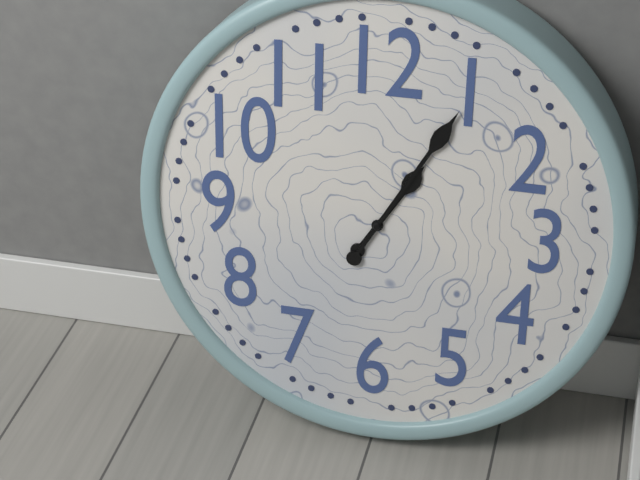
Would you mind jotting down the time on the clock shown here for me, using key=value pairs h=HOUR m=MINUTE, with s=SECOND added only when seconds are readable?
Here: h=1 m=5
